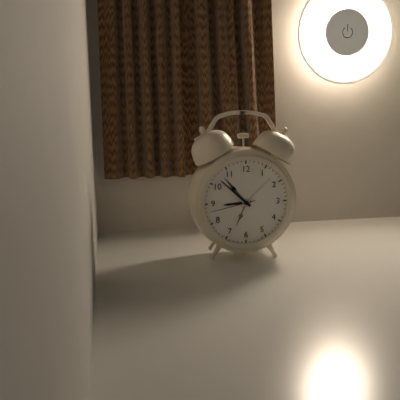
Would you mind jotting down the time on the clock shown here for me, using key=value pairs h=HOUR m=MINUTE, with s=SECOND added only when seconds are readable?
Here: h=8 m=52
